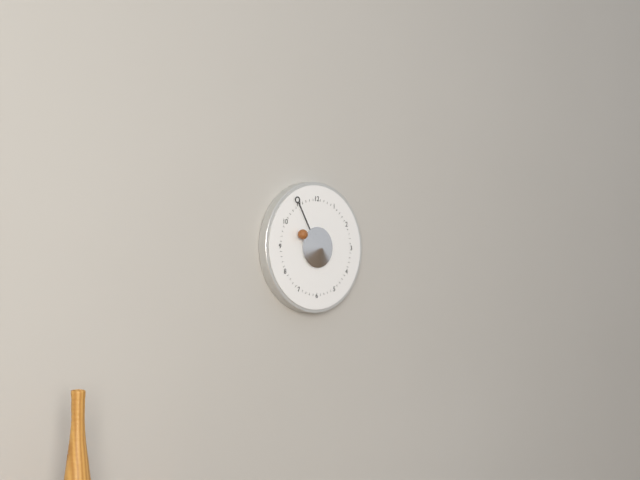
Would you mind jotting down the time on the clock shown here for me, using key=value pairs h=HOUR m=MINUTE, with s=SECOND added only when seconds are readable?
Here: h=9 m=55
